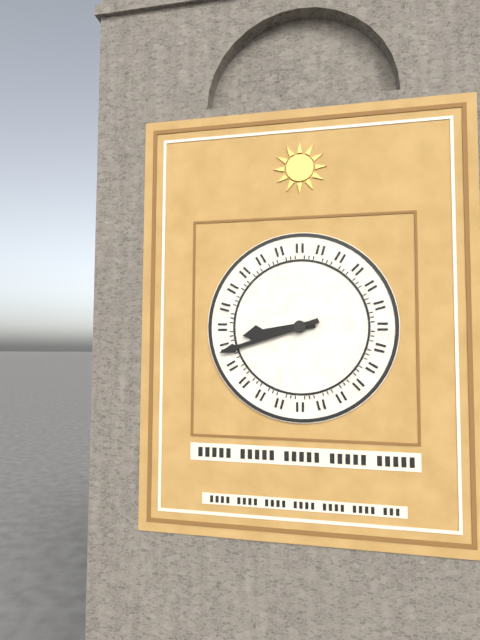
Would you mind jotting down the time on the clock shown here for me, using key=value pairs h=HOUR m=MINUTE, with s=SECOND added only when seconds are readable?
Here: h=8 m=42
